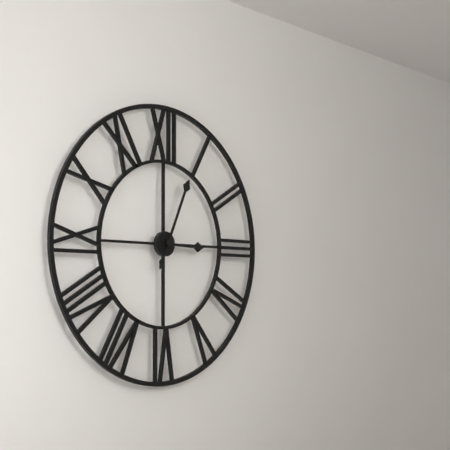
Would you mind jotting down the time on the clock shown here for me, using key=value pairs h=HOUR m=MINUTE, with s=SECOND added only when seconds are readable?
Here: h=3 m=4
